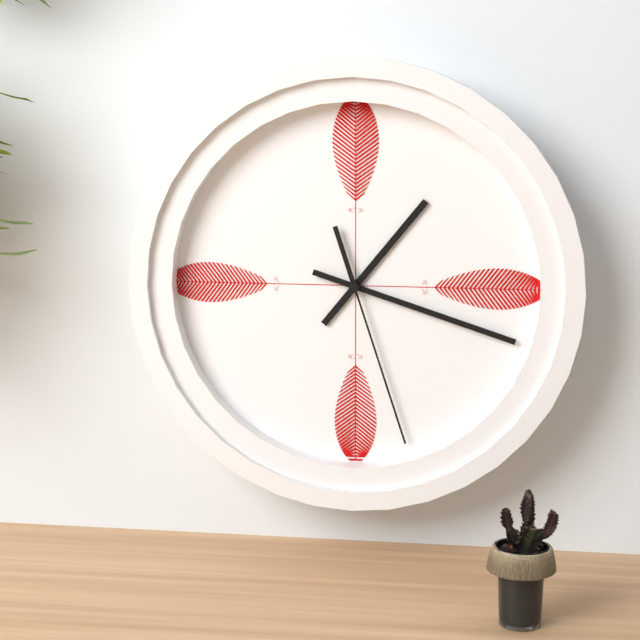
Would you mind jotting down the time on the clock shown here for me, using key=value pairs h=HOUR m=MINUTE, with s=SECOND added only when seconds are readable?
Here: h=1 m=18 s=27
